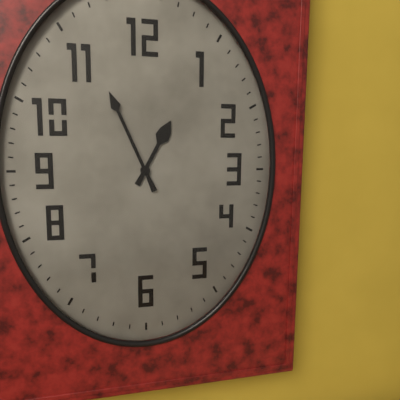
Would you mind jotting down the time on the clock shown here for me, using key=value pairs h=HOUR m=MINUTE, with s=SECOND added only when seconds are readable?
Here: h=12 m=56
